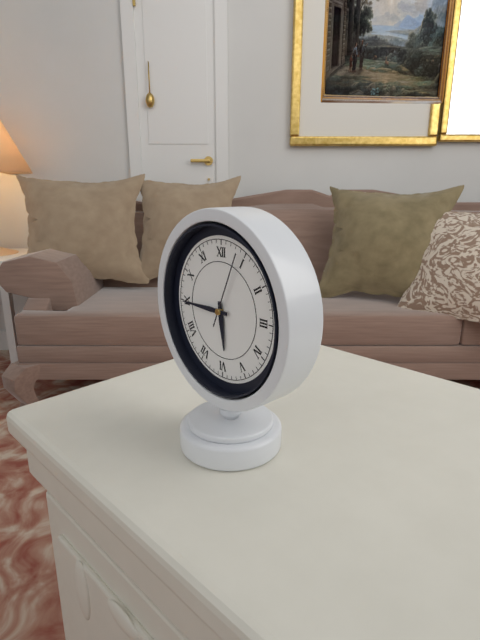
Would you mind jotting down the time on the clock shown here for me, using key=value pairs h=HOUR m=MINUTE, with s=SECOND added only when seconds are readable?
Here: h=5 m=45 s=4
